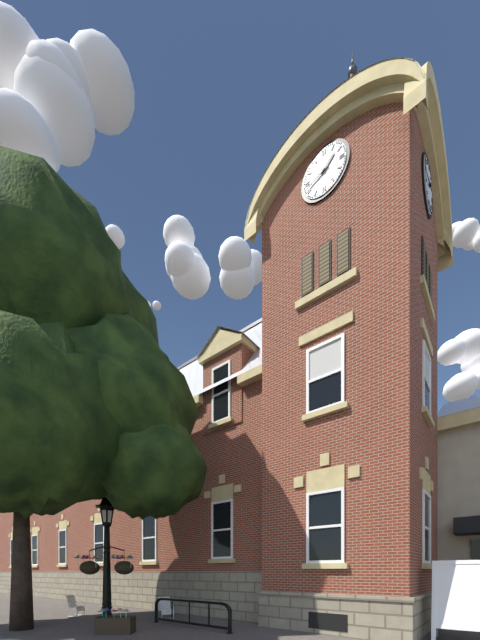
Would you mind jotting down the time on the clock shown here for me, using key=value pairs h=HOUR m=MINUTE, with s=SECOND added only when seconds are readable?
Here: h=1 m=42
